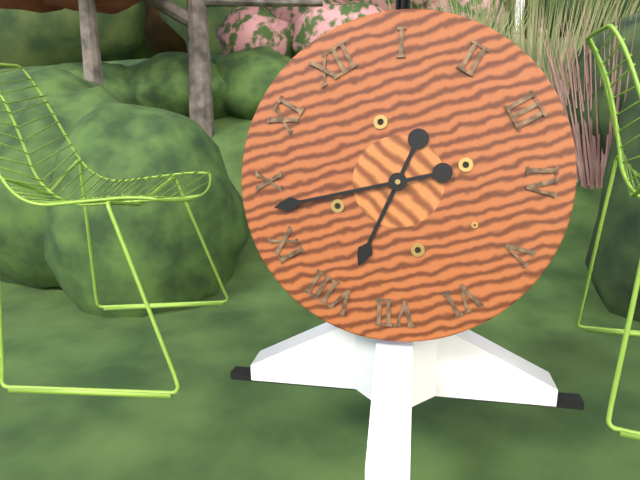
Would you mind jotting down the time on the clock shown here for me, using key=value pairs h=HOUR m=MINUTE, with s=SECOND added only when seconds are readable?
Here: h=7 m=48
